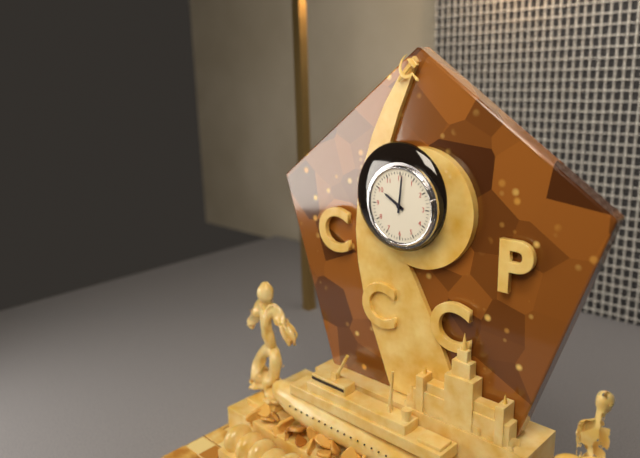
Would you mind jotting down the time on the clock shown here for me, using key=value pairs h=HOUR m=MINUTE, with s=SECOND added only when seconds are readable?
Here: h=10 m=1
